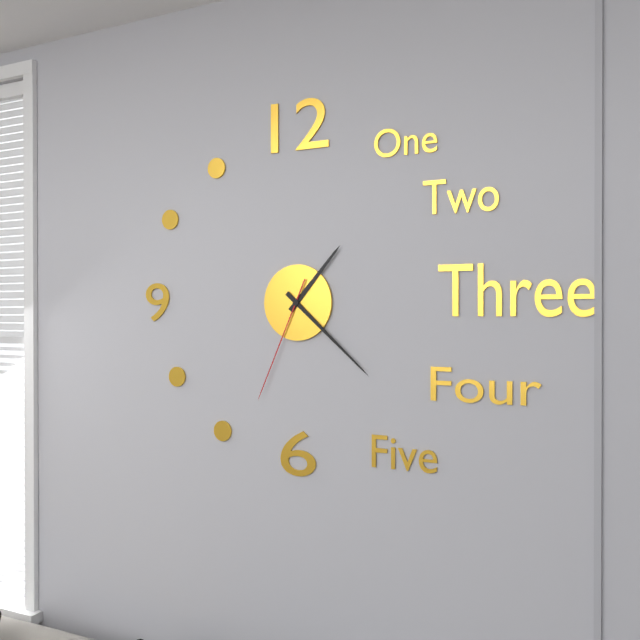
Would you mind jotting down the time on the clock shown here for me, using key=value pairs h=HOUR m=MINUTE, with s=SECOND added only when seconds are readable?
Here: h=1 m=22 s=34
